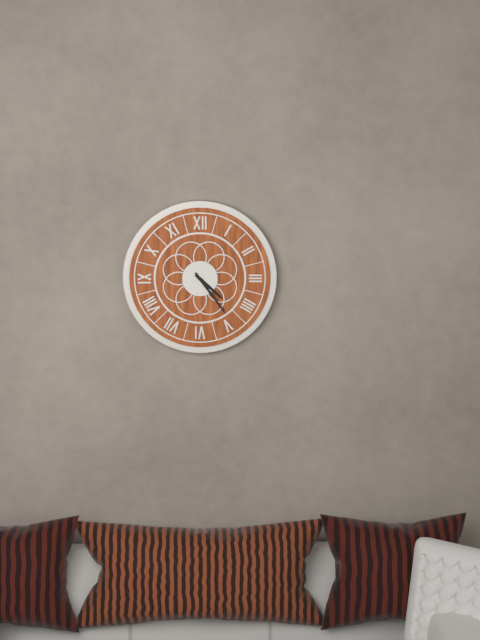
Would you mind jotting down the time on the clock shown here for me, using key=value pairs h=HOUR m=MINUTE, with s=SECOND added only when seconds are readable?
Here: h=4 m=24
